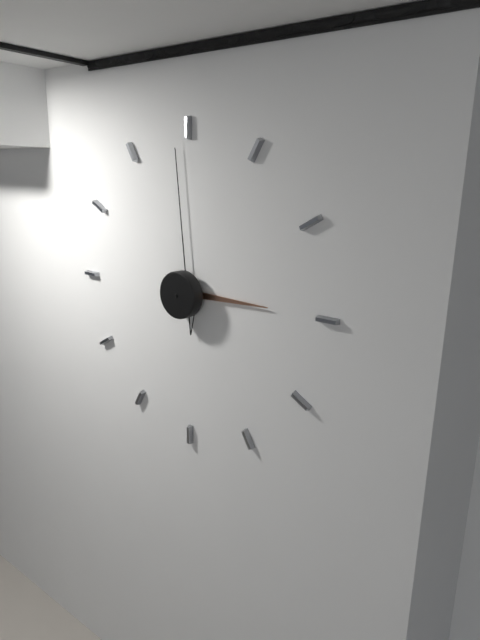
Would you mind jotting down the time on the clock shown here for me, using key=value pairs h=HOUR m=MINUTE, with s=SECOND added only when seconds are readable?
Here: h=2 m=59
